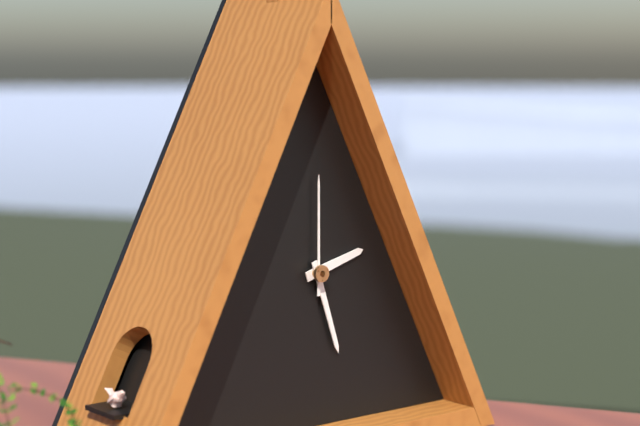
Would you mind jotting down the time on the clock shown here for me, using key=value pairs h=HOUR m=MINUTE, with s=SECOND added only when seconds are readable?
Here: h=2 m=27 s=0
